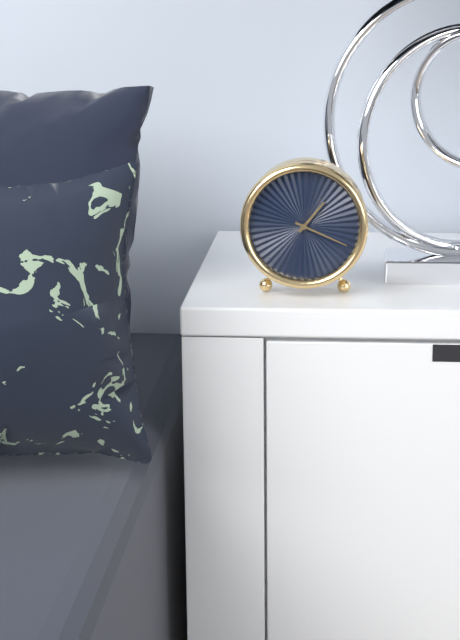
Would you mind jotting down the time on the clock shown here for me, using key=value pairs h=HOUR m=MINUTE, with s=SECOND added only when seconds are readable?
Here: h=1 m=19
